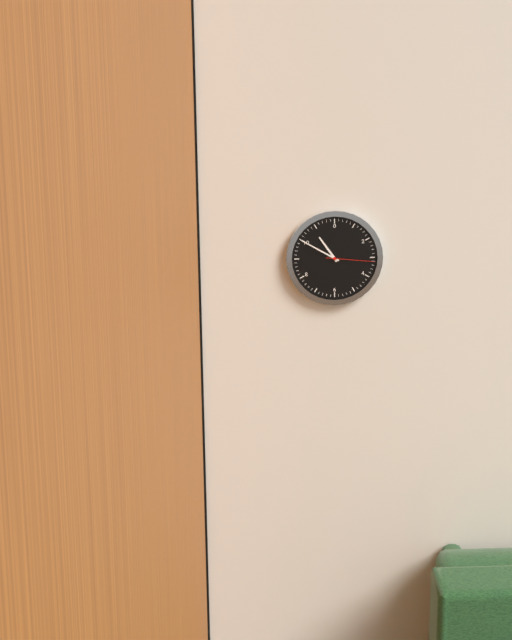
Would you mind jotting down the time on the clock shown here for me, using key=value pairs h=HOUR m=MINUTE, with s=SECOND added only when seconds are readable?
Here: h=10 m=50 s=16
